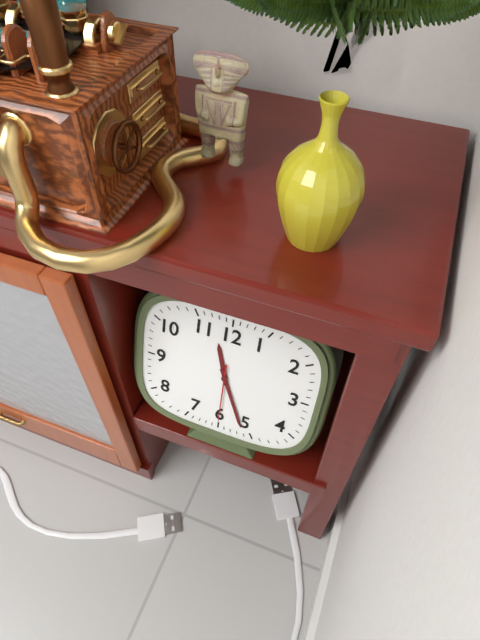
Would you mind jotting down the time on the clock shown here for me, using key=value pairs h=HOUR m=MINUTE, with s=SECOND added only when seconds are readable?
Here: h=11 m=26 s=30
